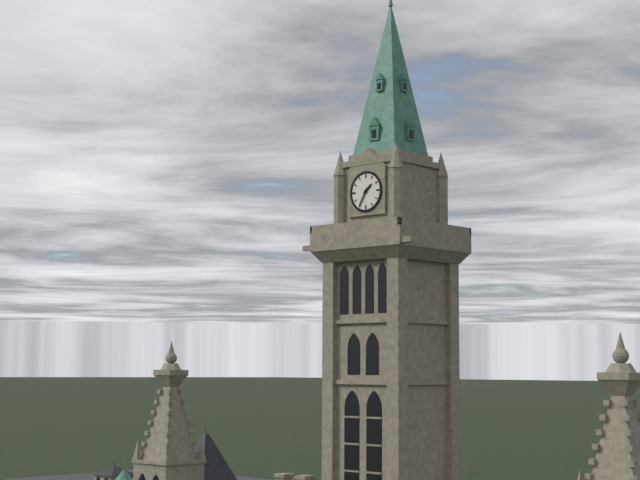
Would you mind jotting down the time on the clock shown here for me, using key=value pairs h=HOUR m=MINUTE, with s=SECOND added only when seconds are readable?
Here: h=1 m=35
